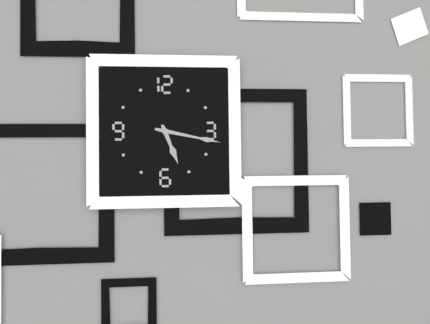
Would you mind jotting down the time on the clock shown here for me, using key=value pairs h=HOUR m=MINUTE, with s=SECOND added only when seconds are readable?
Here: h=5 m=17
